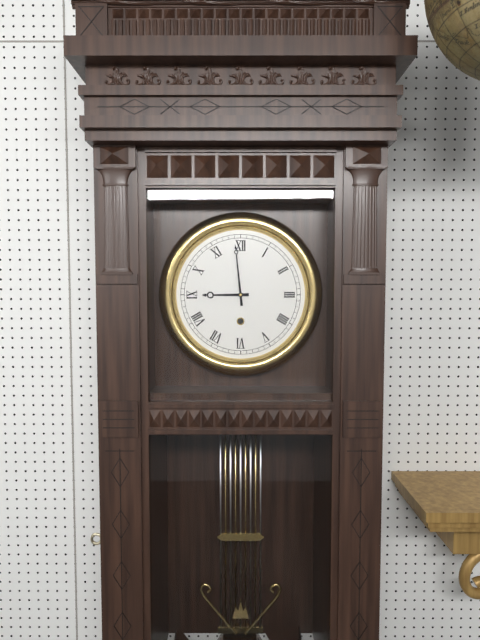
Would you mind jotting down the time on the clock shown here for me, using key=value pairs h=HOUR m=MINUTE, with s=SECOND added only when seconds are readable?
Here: h=8 m=59
